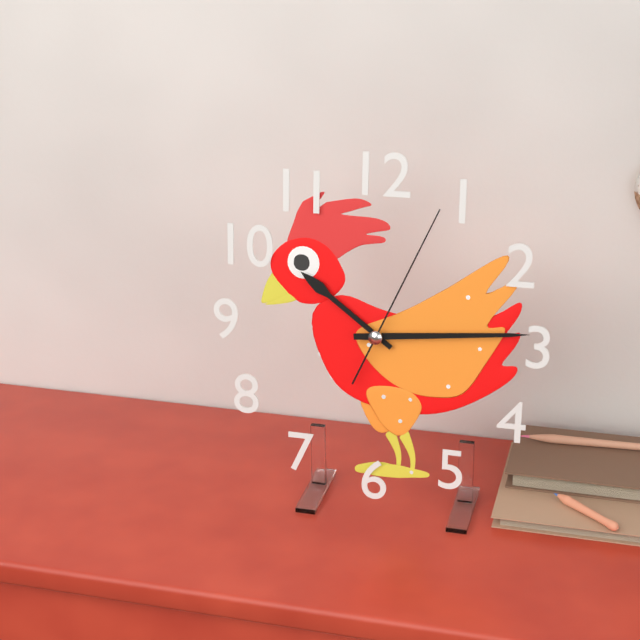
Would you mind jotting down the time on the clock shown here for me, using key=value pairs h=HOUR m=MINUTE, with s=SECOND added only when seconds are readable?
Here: h=10 m=14 s=4
